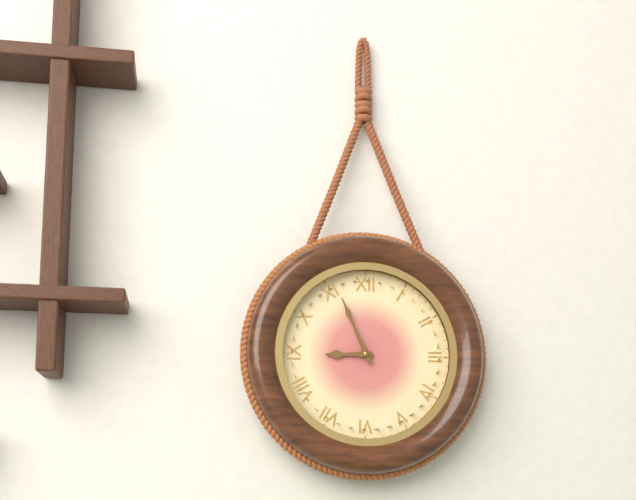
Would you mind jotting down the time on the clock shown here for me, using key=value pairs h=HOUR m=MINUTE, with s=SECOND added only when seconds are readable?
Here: h=8 m=56
